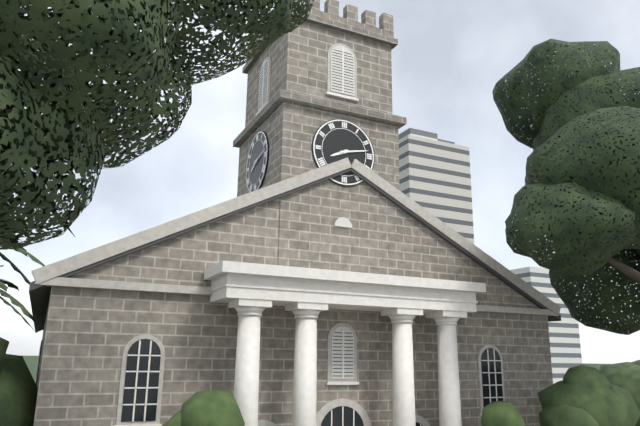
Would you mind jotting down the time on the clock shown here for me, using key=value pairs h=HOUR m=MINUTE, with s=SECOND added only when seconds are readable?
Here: h=8 m=13
